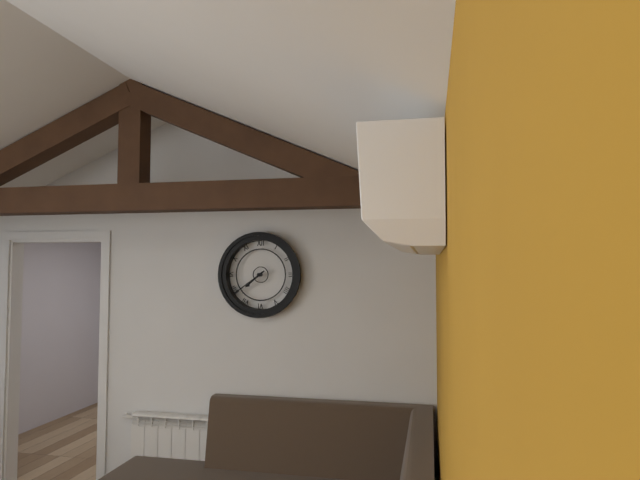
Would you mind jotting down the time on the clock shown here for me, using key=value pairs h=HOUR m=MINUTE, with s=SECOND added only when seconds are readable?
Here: h=7 m=39
